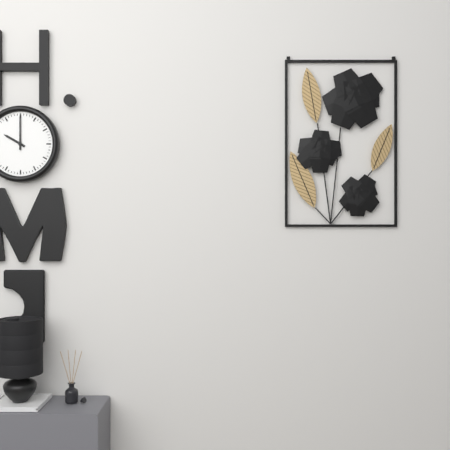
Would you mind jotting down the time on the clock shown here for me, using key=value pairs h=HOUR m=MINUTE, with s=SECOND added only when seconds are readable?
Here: h=10 m=0
